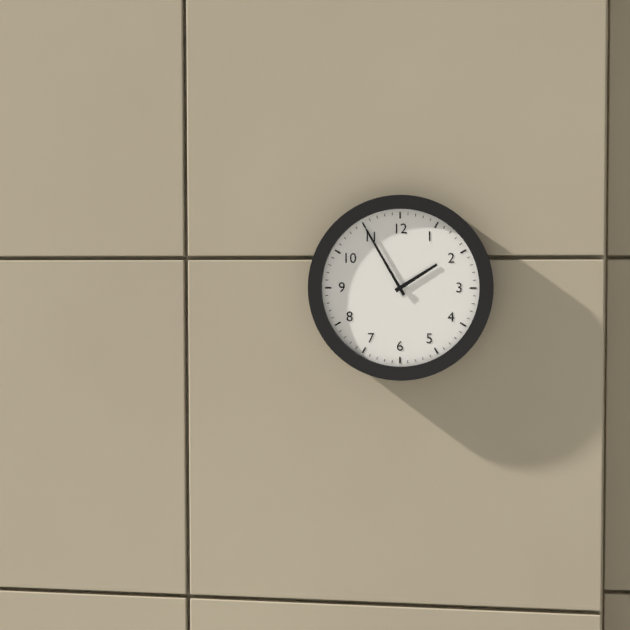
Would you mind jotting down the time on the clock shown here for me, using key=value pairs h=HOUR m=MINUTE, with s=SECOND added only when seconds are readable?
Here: h=1 m=55
